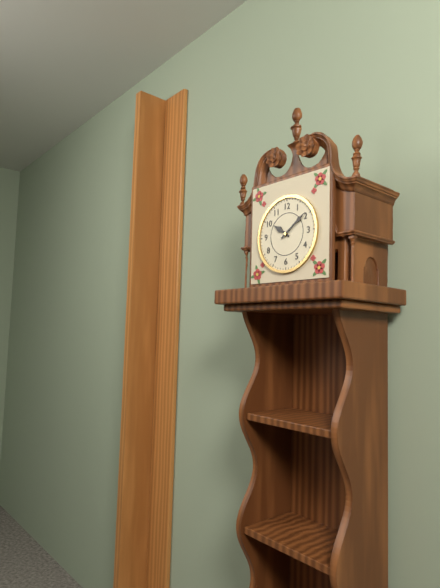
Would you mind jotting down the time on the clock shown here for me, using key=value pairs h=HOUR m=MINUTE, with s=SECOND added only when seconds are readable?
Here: h=10 m=9
